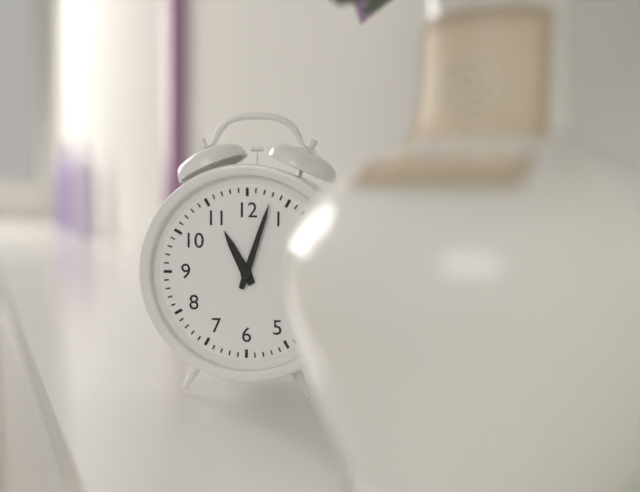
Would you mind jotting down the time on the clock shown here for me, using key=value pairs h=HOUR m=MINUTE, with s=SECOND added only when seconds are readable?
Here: h=11 m=3
